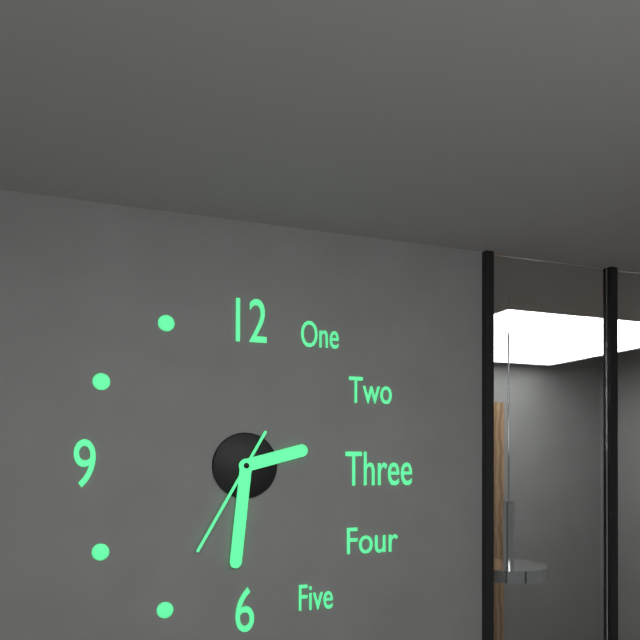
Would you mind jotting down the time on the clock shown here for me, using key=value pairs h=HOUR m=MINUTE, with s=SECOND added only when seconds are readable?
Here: h=2 m=31 s=35
